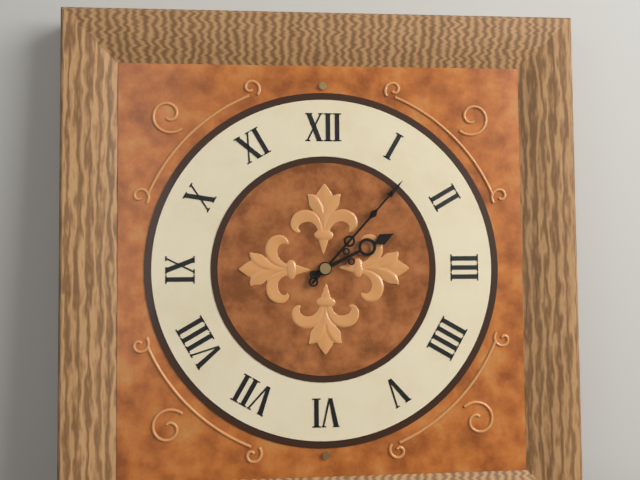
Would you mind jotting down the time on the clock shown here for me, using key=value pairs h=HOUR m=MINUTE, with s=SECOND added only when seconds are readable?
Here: h=2 m=7
